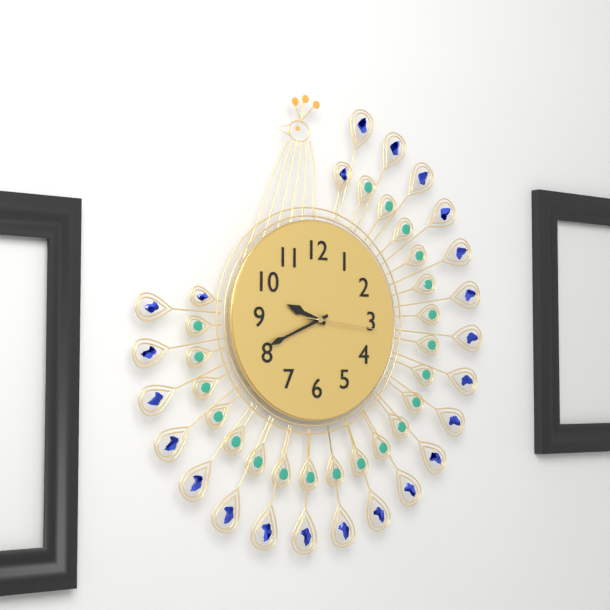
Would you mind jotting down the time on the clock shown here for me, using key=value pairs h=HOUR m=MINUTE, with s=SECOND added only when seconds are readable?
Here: h=9 m=41 s=16
